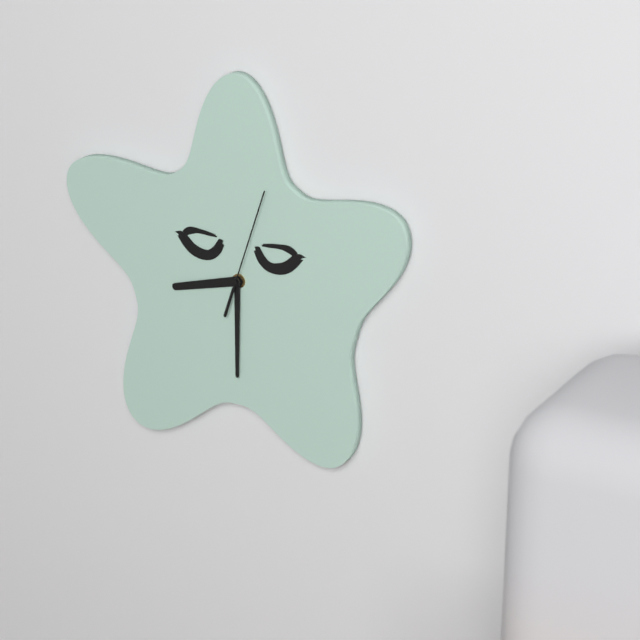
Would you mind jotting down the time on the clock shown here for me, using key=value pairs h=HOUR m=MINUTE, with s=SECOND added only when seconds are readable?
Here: h=8 m=30 s=3
